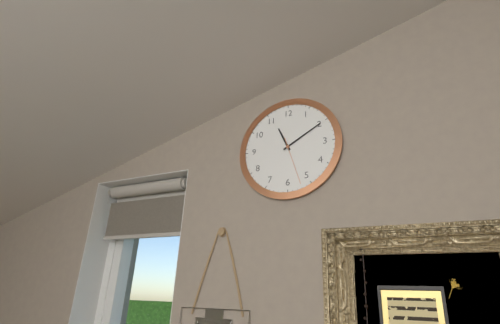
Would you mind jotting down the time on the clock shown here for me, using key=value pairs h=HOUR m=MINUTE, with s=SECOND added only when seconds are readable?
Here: h=11 m=10
